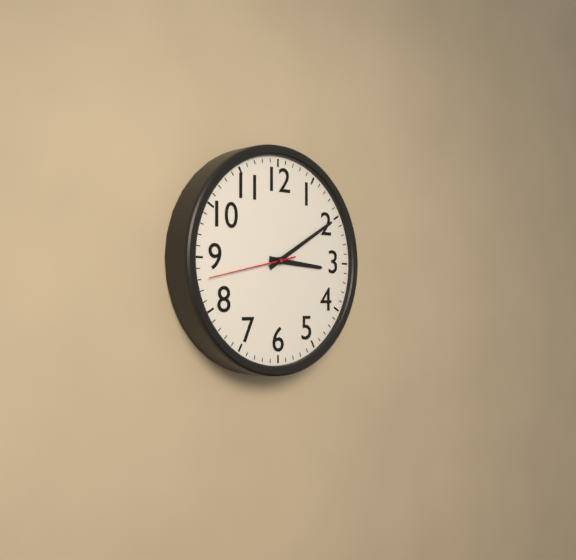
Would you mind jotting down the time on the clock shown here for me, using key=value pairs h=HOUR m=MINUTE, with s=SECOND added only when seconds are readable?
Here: h=3 m=10 s=43
